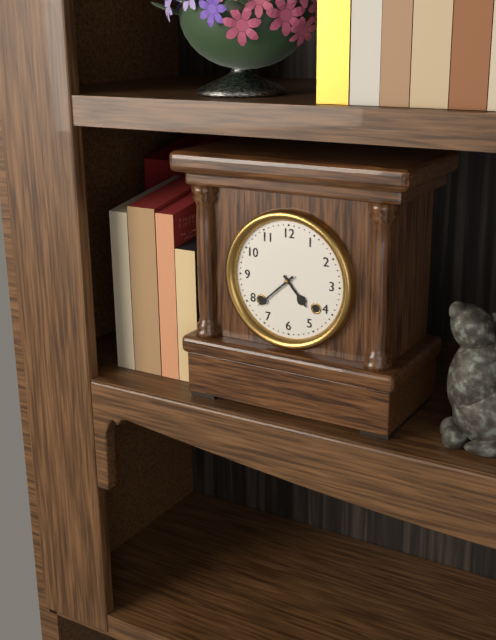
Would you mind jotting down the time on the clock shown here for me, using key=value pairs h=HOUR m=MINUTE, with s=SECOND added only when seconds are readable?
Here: h=4 m=38
